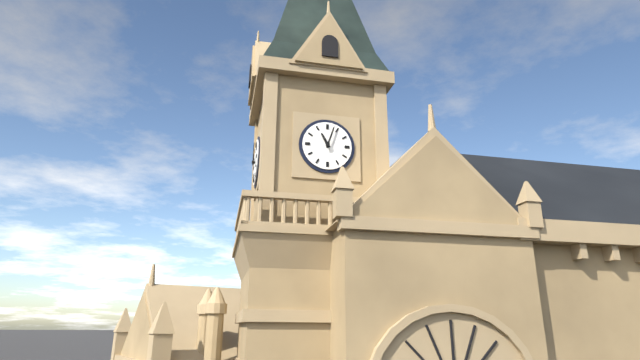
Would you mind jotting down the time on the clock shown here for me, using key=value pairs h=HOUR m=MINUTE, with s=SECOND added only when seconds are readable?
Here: h=11 m=3
